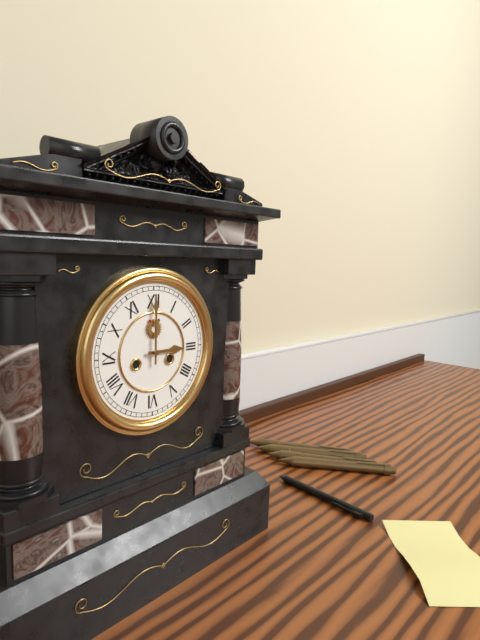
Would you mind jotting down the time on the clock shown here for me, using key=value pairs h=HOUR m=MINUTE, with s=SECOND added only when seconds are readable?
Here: h=3 m=0
